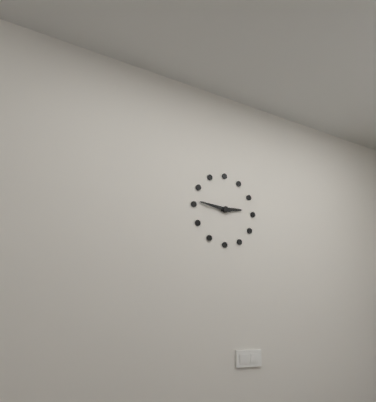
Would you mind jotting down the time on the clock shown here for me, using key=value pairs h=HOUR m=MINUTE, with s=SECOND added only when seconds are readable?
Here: h=2 m=46
